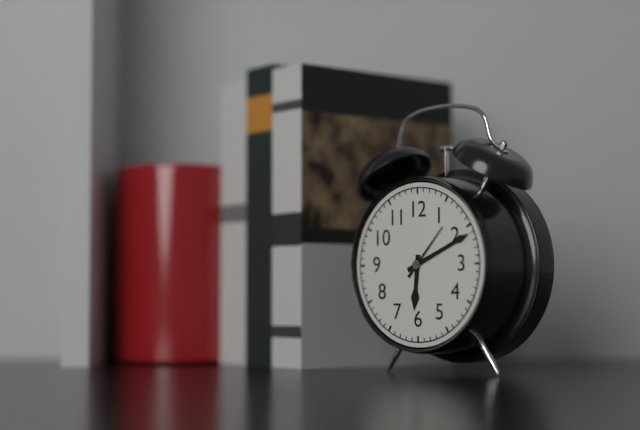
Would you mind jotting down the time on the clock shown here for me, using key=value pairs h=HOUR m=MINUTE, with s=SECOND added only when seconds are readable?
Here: h=6 m=11 s=7
